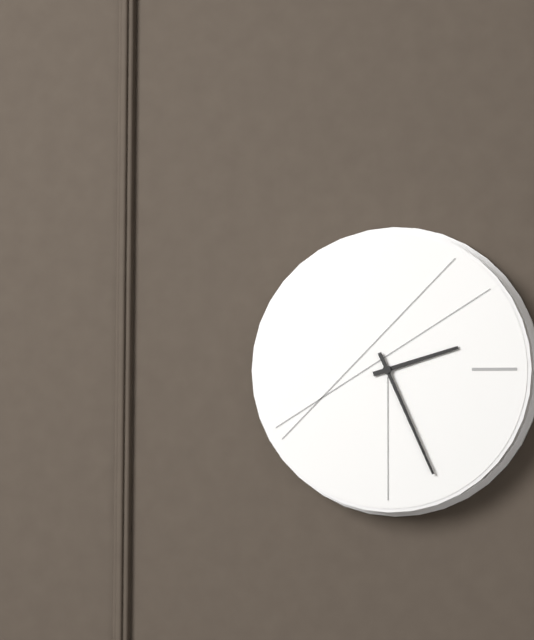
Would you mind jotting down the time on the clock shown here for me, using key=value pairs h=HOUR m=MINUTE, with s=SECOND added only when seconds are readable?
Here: h=2 m=26
